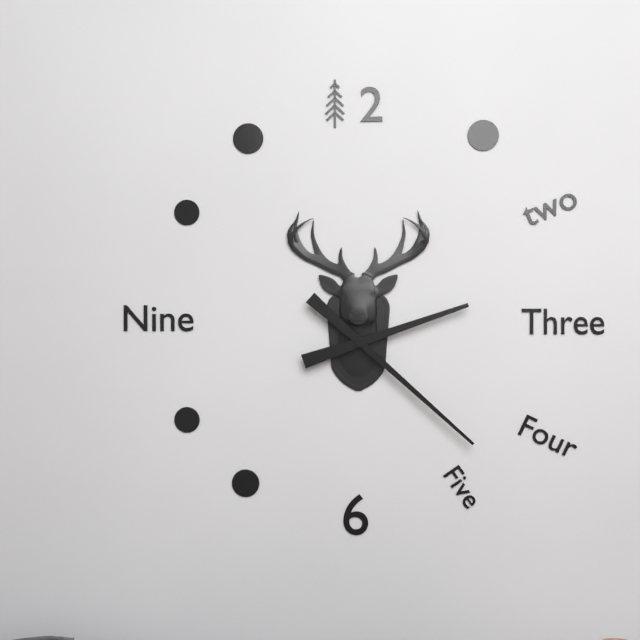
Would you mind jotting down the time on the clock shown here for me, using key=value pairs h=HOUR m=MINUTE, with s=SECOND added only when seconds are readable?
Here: h=2 m=22
